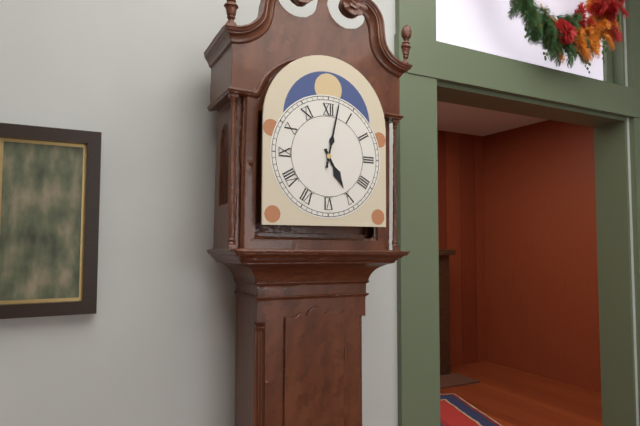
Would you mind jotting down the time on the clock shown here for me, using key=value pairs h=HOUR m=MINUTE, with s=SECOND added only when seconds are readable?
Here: h=5 m=2
